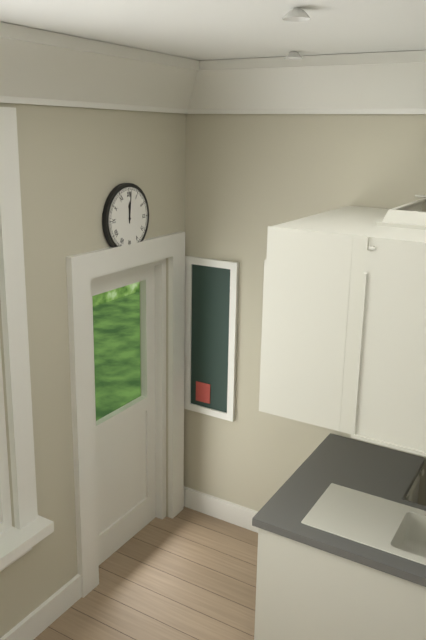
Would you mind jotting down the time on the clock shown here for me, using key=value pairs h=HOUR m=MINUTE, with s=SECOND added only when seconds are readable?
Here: h=12 m=1
